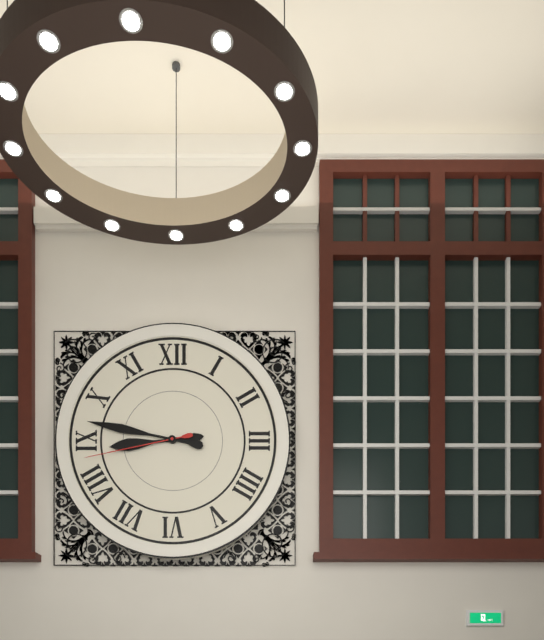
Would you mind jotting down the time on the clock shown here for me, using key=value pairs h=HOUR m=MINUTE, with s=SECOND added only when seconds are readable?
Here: h=8 m=47 s=43
